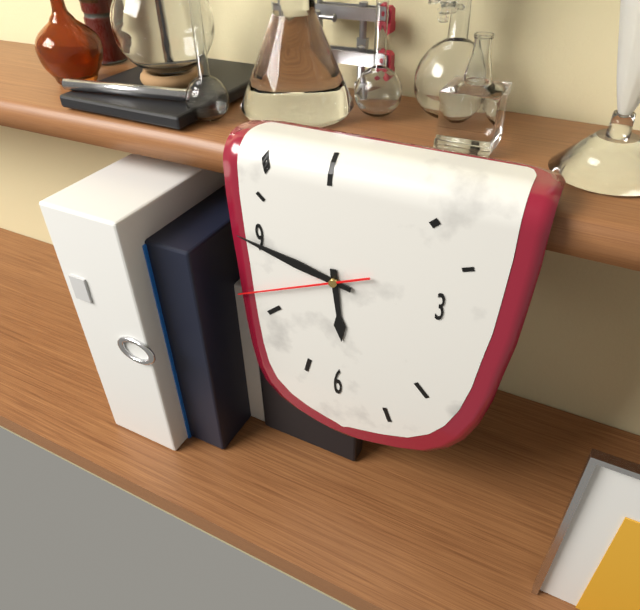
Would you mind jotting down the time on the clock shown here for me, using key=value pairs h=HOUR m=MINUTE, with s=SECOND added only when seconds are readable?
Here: h=5 m=47 s=41
